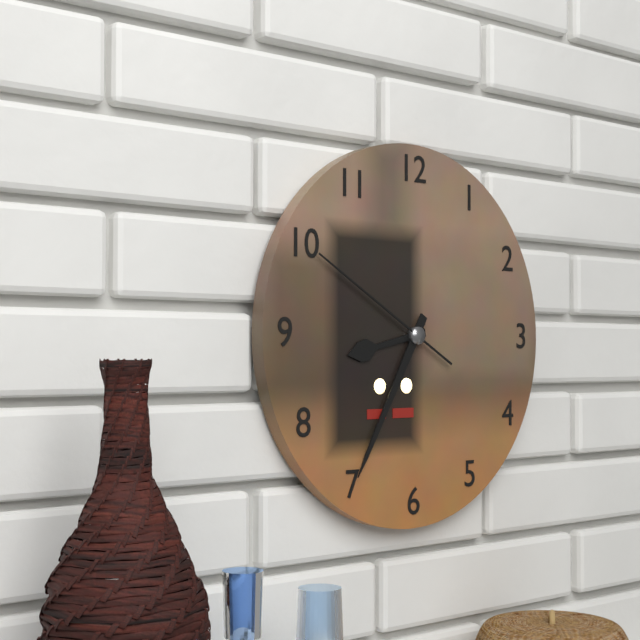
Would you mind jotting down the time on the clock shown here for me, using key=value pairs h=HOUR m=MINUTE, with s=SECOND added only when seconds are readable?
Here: h=8 m=35 s=50
